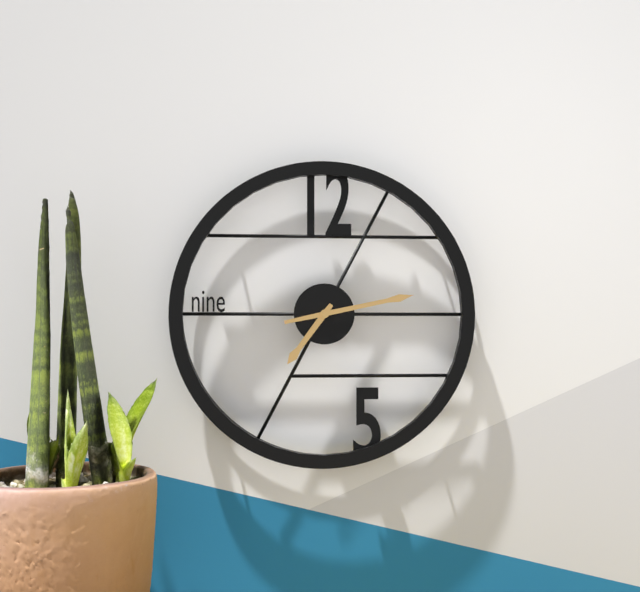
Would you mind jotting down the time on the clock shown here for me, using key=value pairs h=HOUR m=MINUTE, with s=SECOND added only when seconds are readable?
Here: h=7 m=13
